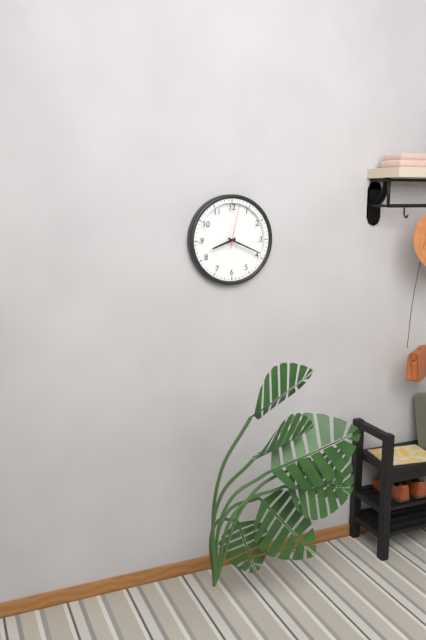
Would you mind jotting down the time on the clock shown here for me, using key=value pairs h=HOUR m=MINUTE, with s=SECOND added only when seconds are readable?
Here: h=8 m=19
